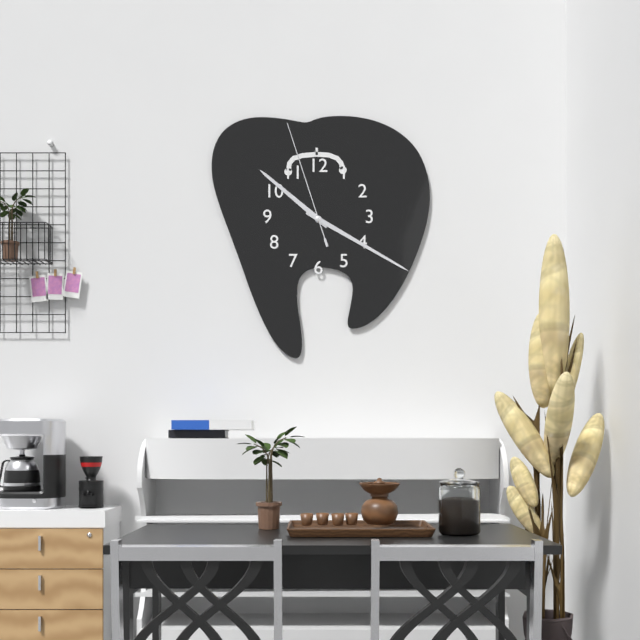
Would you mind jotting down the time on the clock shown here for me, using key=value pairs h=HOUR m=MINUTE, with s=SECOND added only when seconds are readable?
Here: h=10 m=20 s=57
